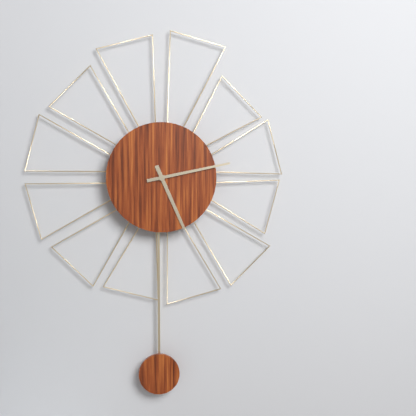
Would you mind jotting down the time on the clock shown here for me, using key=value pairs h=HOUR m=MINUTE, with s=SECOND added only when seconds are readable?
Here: h=5 m=13
